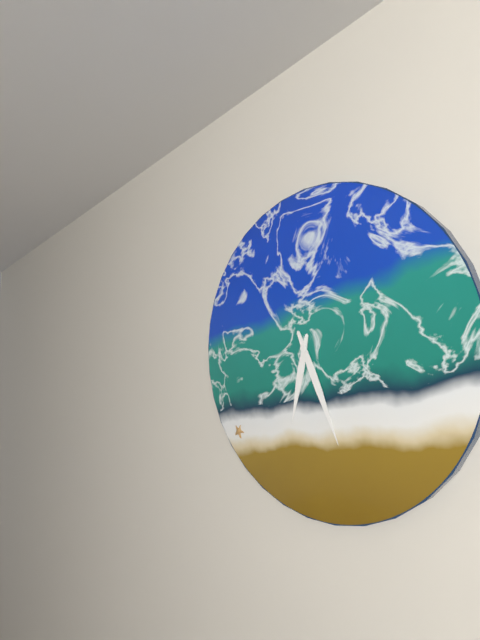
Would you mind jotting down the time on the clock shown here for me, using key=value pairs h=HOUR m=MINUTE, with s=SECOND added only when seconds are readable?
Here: h=6 m=26
